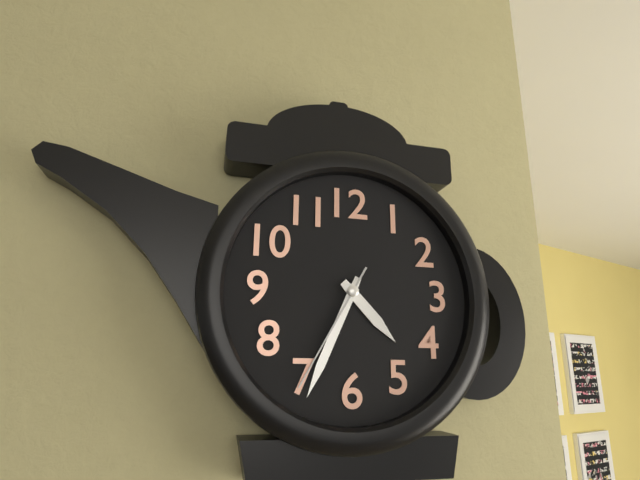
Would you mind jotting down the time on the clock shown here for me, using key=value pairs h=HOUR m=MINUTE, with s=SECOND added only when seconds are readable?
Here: h=4 m=34 s=35
